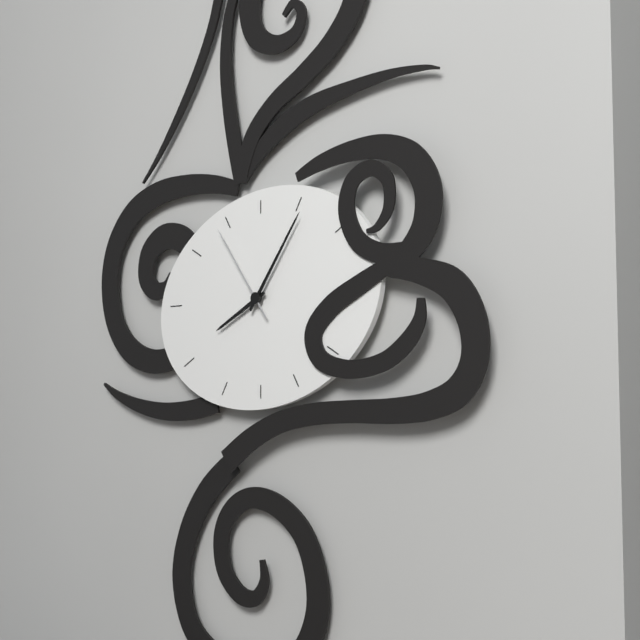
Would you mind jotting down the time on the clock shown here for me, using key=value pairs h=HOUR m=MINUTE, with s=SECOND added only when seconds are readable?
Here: h=8 m=6 s=54
